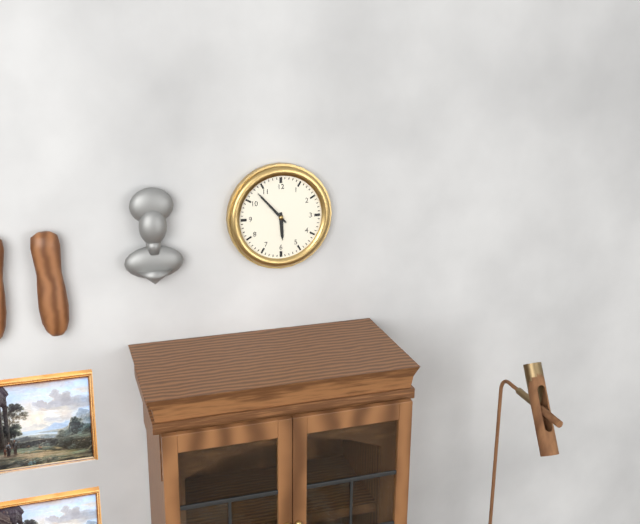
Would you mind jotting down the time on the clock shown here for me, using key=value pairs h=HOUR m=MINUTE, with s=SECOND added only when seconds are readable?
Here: h=5 m=53
